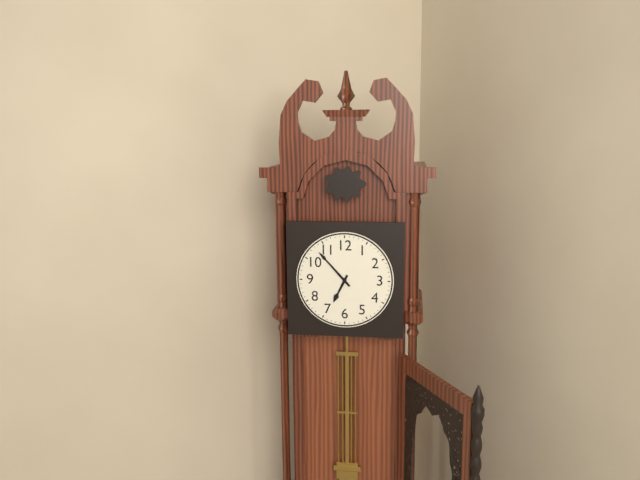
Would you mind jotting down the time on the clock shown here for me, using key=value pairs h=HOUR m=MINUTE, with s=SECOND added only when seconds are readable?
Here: h=6 m=53
